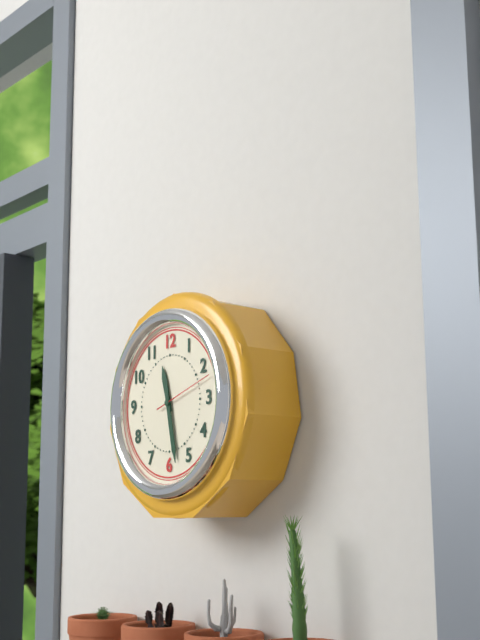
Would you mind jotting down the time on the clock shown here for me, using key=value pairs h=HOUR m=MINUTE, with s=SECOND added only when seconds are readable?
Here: h=11 m=28 s=12
